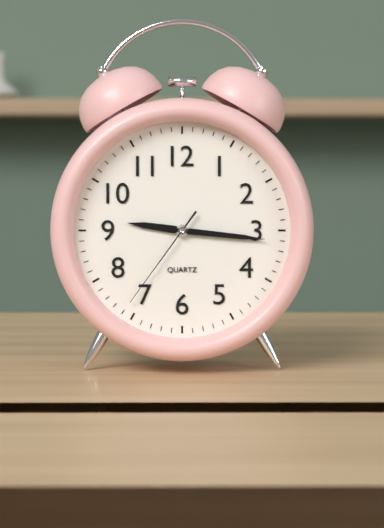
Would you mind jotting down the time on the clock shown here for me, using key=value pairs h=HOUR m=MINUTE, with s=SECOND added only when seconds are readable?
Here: h=9 m=16 s=36
